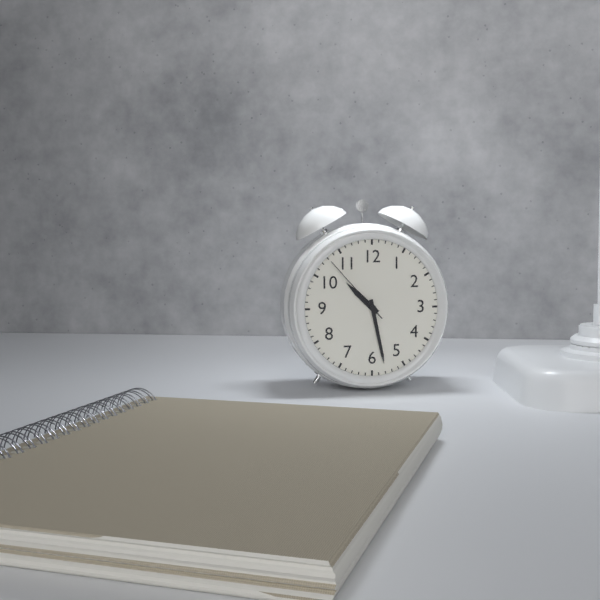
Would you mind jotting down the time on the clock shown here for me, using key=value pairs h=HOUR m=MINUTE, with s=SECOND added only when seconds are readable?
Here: h=10 m=28 s=53
